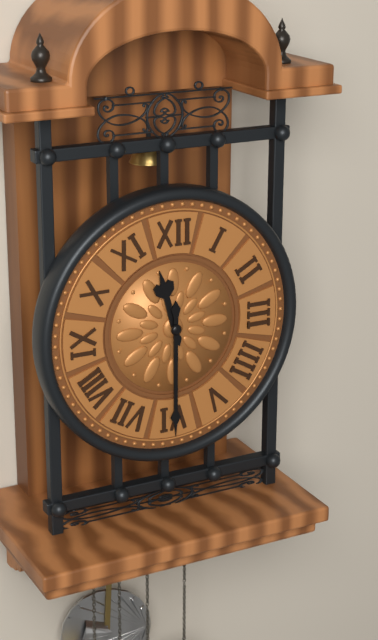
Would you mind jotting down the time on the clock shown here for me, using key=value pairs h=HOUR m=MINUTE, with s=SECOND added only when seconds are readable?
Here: h=11 m=30
